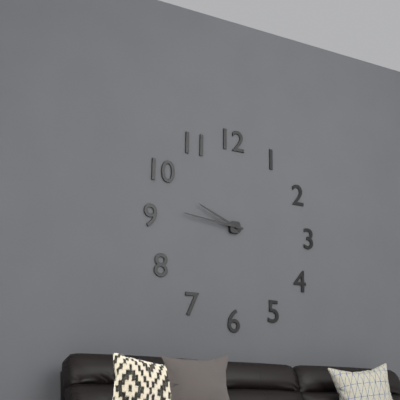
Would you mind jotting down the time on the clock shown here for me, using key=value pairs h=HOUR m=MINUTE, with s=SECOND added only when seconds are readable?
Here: h=9 m=46
